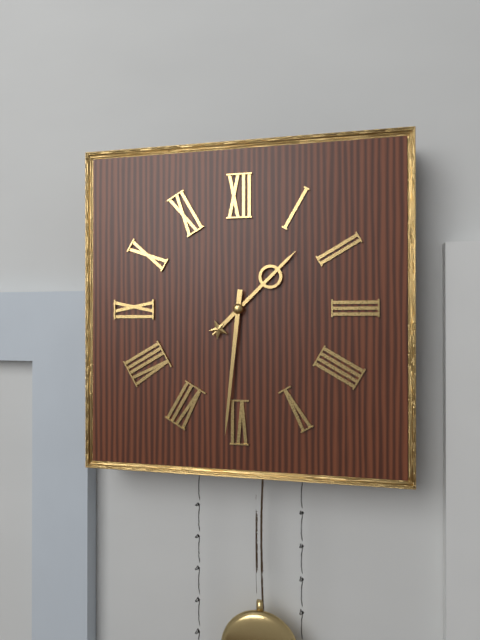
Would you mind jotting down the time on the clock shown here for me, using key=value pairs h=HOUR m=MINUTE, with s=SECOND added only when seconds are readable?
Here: h=1 m=31
